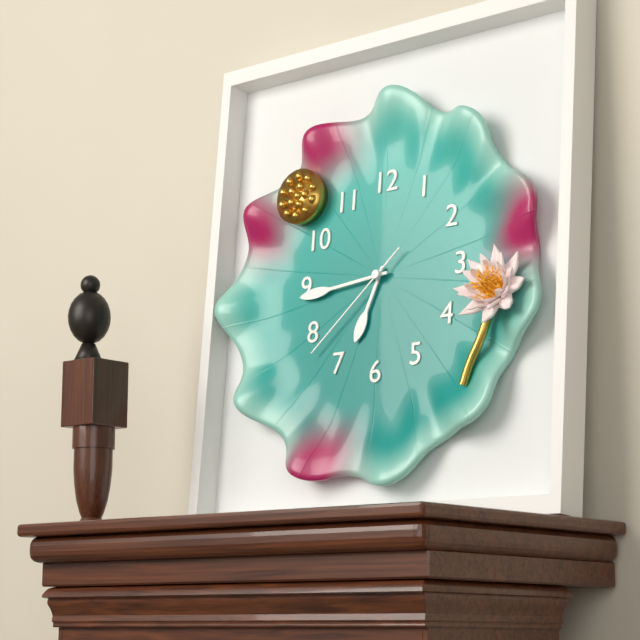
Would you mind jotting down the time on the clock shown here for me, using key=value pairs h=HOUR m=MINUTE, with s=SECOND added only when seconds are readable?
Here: h=6 m=44 s=38
